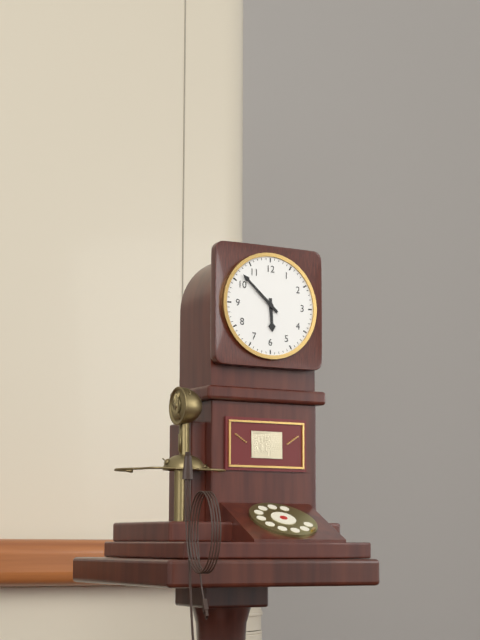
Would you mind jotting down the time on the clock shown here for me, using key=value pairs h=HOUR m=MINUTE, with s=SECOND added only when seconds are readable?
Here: h=5 m=52
